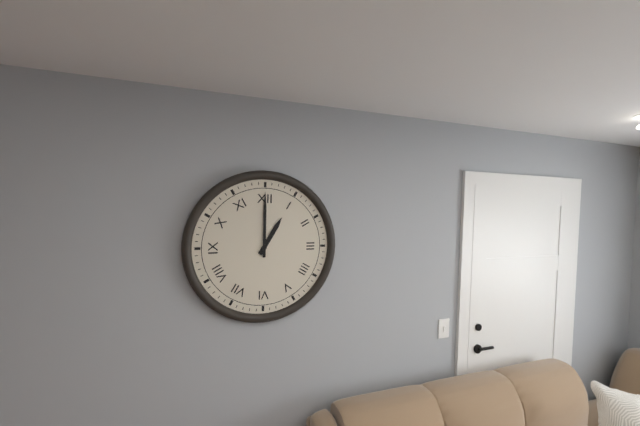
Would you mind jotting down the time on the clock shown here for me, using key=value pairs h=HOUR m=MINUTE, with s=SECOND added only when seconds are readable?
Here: h=1 m=0
